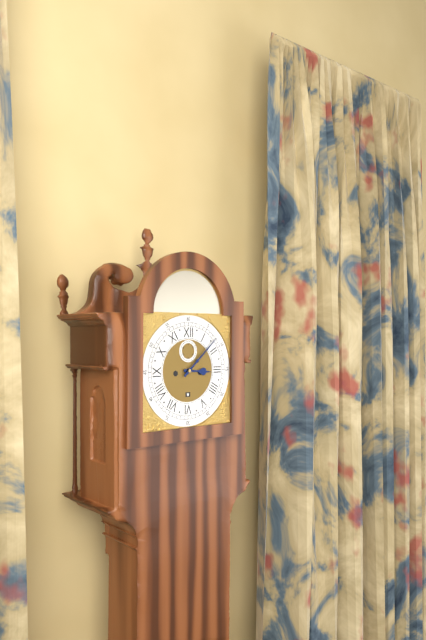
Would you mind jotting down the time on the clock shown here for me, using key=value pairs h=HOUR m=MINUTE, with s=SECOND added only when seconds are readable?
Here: h=3 m=8
